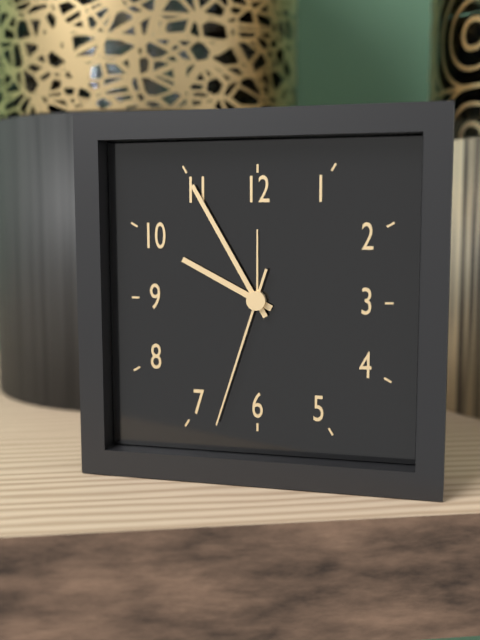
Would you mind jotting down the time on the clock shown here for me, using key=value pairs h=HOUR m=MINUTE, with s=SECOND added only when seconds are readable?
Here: h=9 m=55 s=33
